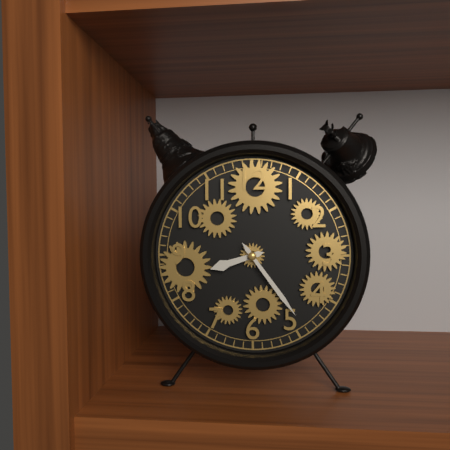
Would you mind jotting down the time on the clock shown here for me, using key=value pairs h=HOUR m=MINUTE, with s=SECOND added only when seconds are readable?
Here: h=8 m=24
